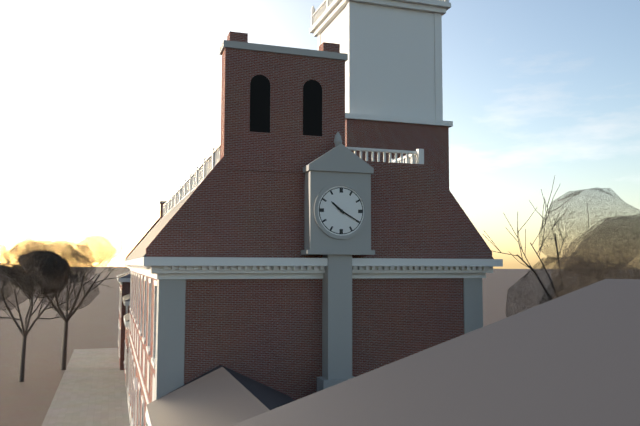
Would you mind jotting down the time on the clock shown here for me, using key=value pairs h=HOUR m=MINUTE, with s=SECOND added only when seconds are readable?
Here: h=10 m=20
